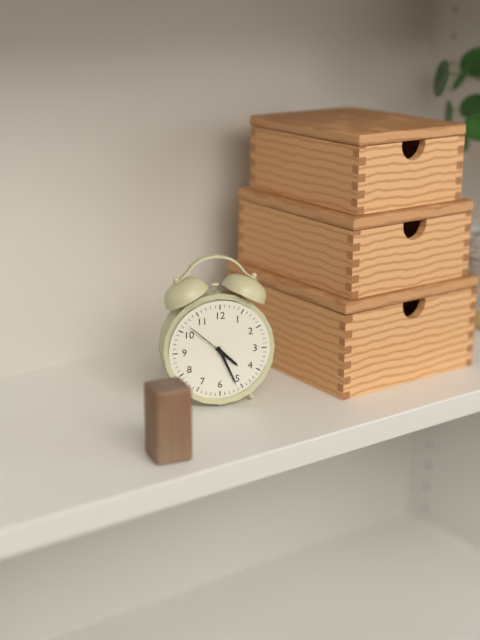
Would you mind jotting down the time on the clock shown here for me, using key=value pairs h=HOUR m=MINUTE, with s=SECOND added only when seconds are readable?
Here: h=4 m=26 s=52
